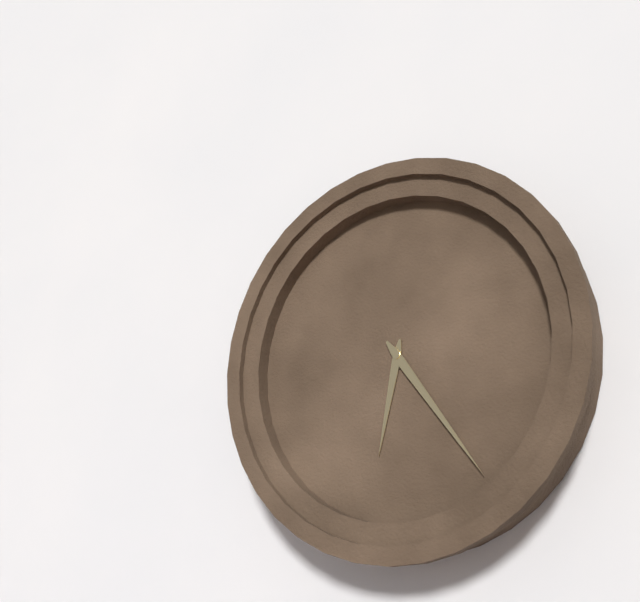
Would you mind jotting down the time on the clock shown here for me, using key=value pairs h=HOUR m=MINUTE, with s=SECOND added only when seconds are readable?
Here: h=6 m=24
